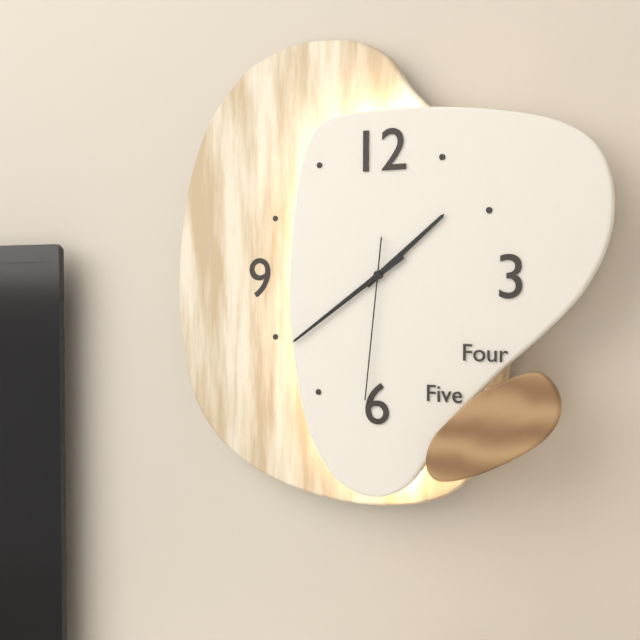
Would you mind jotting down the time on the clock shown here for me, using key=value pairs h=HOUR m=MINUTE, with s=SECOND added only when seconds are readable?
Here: h=1 m=39 s=31
